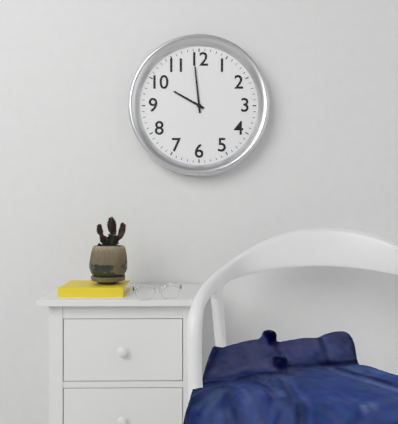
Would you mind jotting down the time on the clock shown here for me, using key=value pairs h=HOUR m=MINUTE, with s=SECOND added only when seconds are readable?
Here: h=9 m=59
